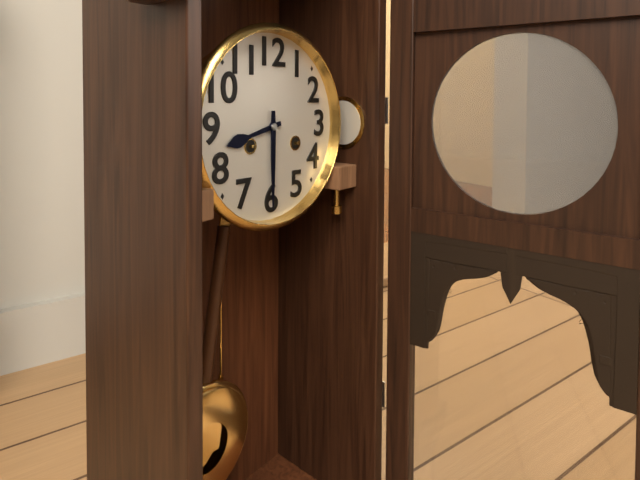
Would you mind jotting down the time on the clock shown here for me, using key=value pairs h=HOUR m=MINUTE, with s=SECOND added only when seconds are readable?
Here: h=8 m=30
